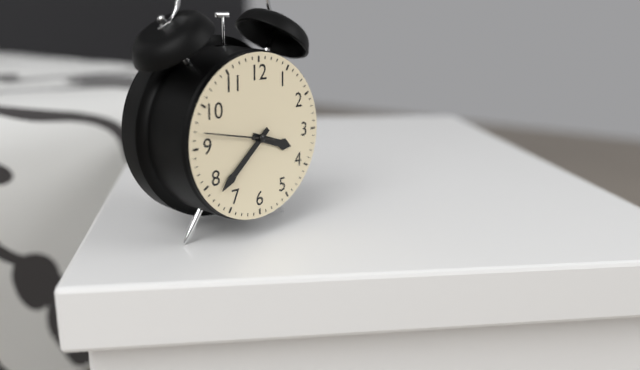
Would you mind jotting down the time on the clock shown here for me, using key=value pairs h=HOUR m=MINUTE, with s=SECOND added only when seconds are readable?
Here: h=3 m=38 s=47
